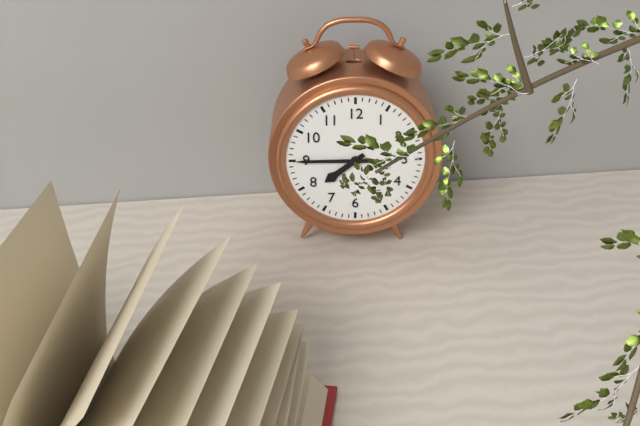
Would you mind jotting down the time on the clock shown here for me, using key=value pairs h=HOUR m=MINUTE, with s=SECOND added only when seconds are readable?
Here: h=7 m=45
